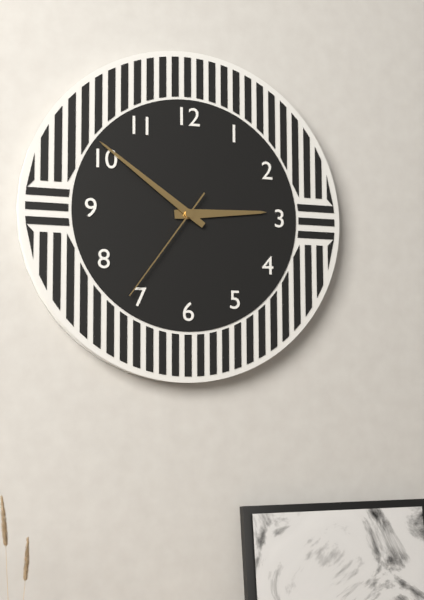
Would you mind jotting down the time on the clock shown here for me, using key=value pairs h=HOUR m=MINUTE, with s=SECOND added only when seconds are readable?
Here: h=2 m=51 s=36
